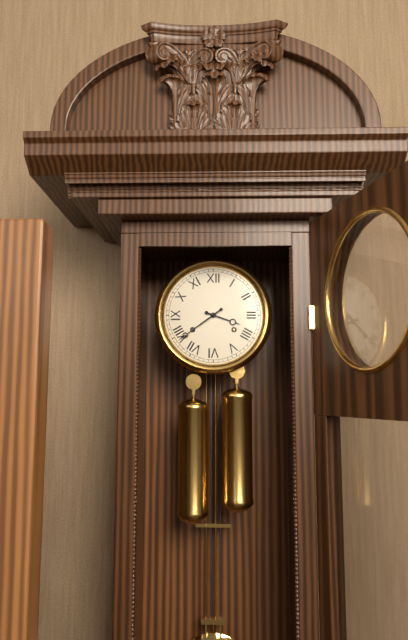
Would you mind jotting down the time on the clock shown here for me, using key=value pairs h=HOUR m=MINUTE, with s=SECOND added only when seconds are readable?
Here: h=3 m=39
